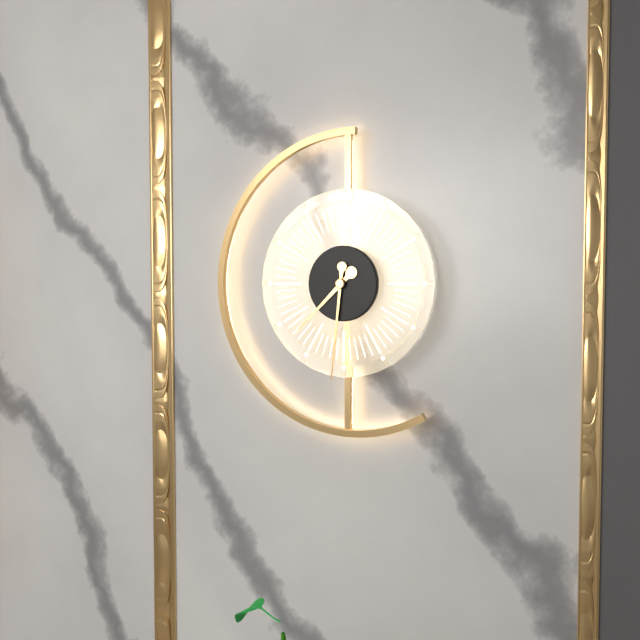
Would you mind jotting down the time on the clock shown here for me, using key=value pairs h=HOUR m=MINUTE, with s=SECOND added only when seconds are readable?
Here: h=7 m=31
